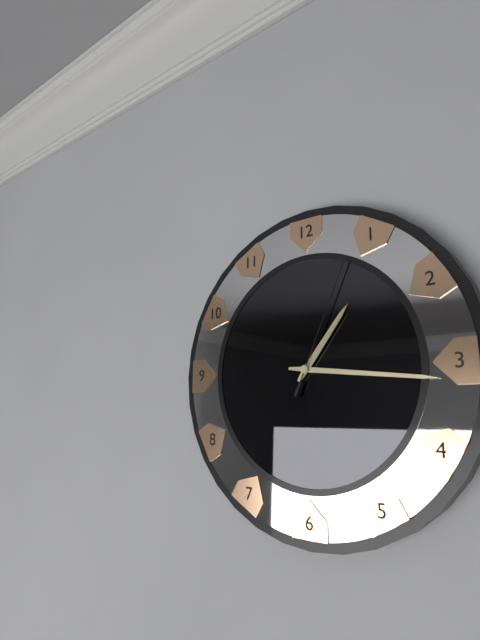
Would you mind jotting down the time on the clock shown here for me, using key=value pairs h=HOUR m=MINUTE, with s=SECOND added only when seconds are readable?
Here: h=1 m=16 s=4
